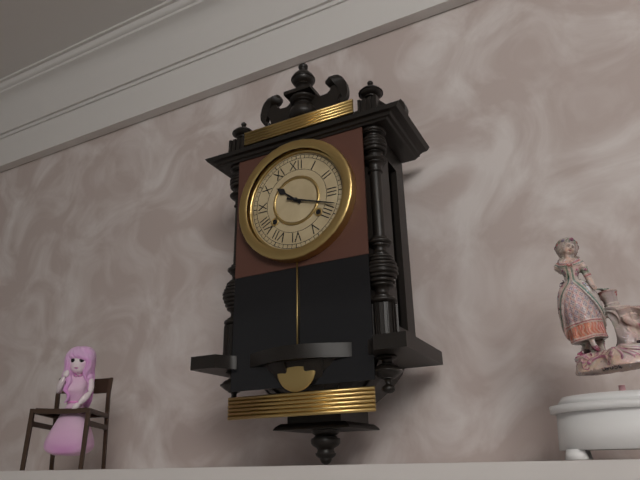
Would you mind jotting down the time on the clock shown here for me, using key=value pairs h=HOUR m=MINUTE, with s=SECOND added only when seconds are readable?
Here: h=10 m=18
